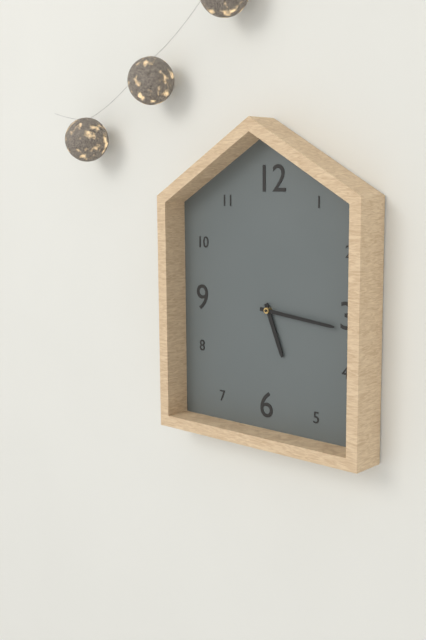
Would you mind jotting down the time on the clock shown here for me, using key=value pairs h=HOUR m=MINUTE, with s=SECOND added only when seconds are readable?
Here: h=5 m=16
